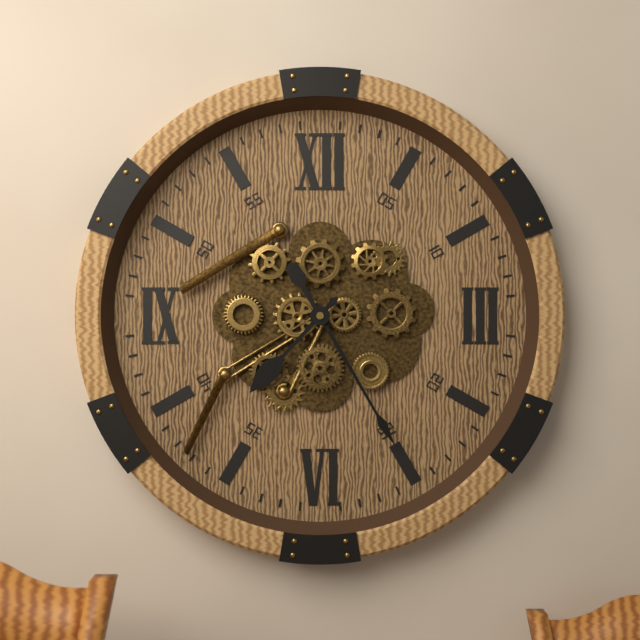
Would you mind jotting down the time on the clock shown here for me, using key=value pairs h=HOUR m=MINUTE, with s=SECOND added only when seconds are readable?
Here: h=7 m=25
